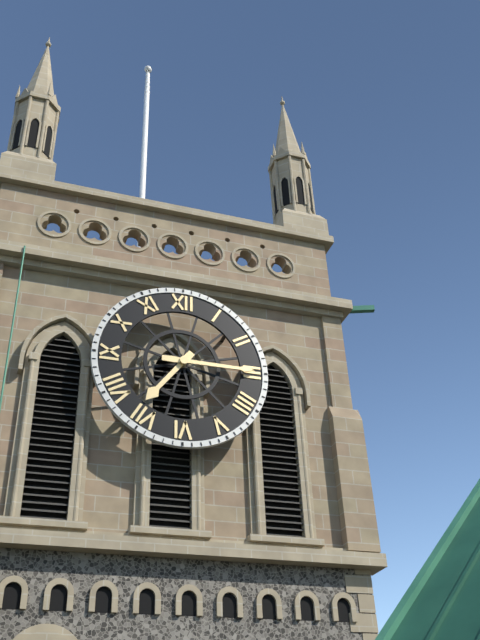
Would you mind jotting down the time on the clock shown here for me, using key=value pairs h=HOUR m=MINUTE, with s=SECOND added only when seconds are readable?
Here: h=7 m=15
